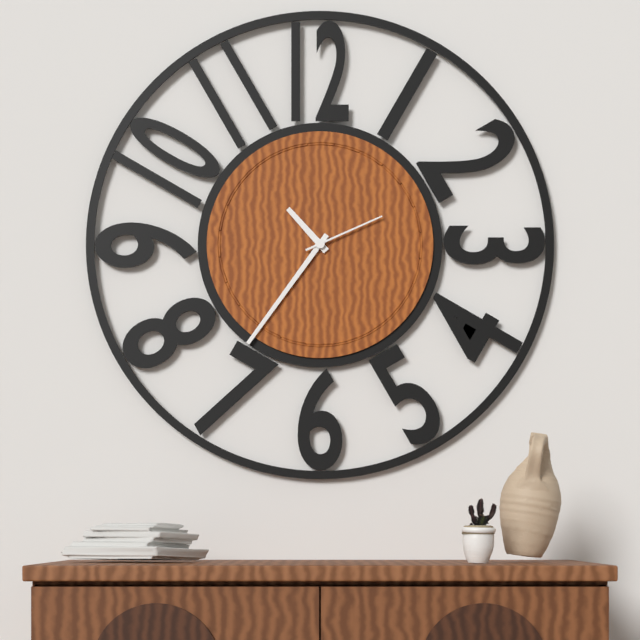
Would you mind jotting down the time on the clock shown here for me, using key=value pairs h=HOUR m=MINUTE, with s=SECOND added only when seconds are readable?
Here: h=10 m=36 s=11
